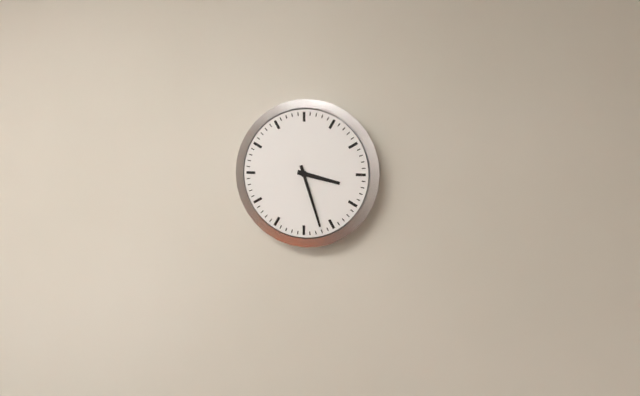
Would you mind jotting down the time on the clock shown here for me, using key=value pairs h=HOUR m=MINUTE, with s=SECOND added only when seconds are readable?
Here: h=3 m=27
